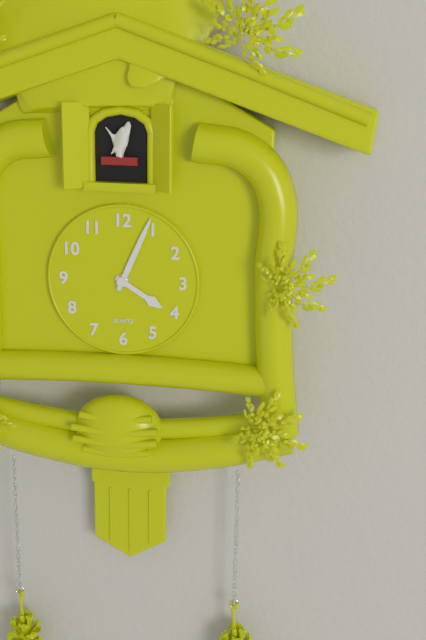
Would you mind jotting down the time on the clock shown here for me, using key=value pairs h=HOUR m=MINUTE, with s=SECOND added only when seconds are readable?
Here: h=4 m=4
